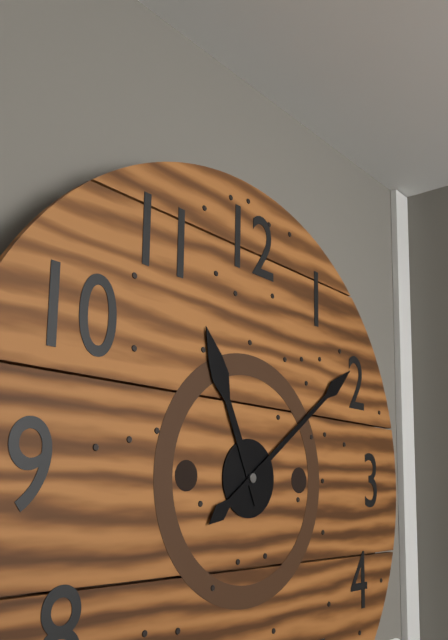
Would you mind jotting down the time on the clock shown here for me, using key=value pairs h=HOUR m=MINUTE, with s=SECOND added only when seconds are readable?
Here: h=11 m=9
